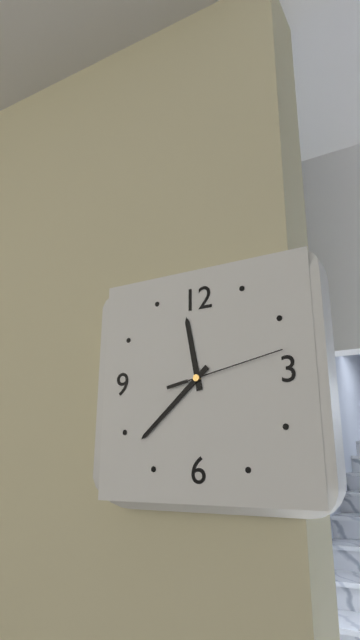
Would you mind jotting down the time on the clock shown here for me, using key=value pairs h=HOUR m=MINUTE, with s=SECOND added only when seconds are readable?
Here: h=11 m=38 s=13
